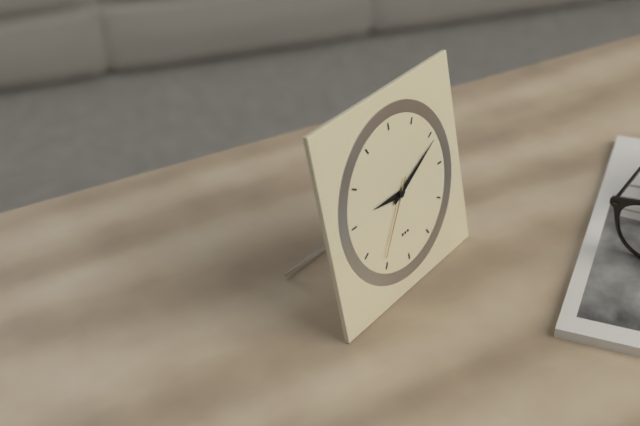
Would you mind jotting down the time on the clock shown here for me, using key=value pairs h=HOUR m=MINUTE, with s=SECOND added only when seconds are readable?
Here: h=9 m=11 s=36
